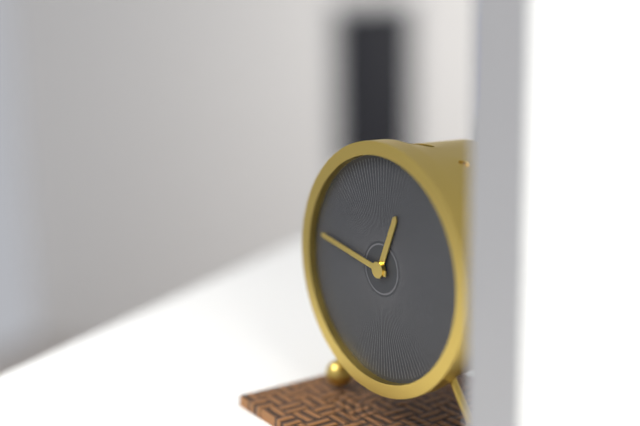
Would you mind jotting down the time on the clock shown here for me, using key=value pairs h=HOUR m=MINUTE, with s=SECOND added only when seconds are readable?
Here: h=12 m=47
